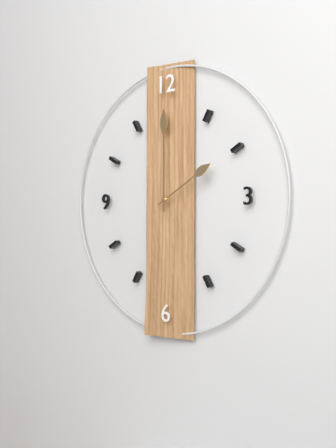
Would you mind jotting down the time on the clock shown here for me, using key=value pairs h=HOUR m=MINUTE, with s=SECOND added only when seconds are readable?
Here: h=2 m=0
